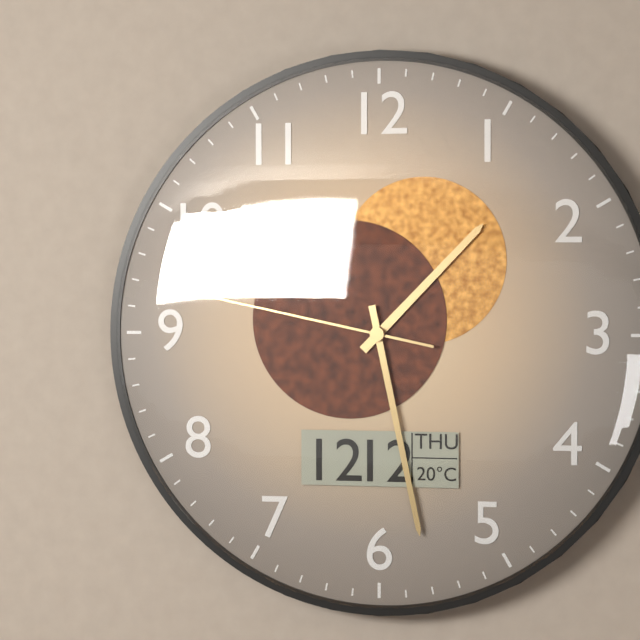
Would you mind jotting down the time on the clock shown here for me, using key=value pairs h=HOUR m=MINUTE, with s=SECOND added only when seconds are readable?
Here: h=1 m=28 s=47
